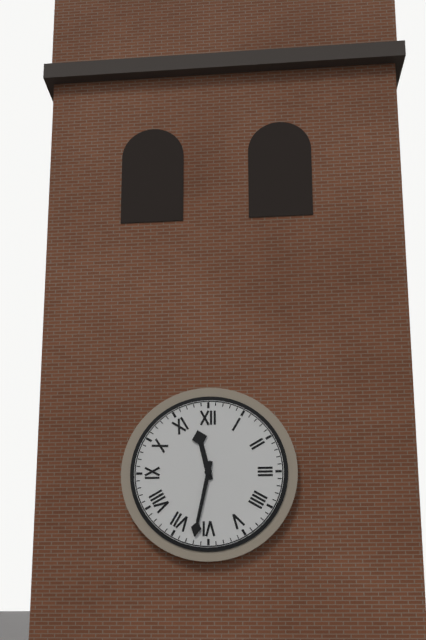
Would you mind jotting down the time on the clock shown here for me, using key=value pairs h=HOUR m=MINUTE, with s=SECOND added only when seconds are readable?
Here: h=11 m=32
